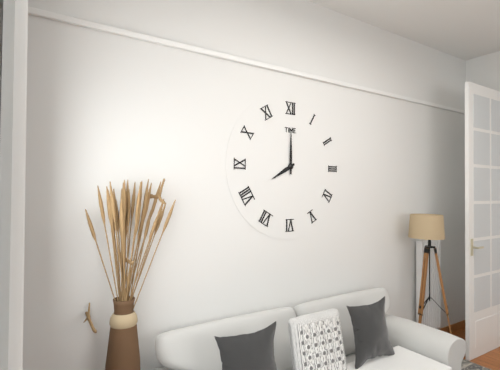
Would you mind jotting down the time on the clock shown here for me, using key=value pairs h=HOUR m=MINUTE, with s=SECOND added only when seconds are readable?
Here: h=8 m=0
